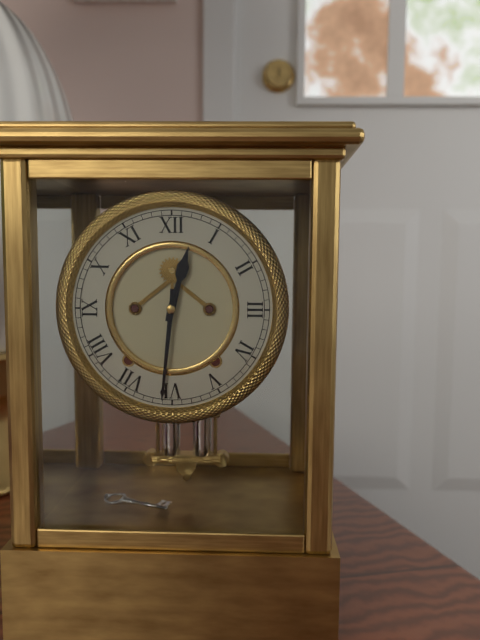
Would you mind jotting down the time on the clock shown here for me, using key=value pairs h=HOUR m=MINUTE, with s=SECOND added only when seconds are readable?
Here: h=12 m=31
